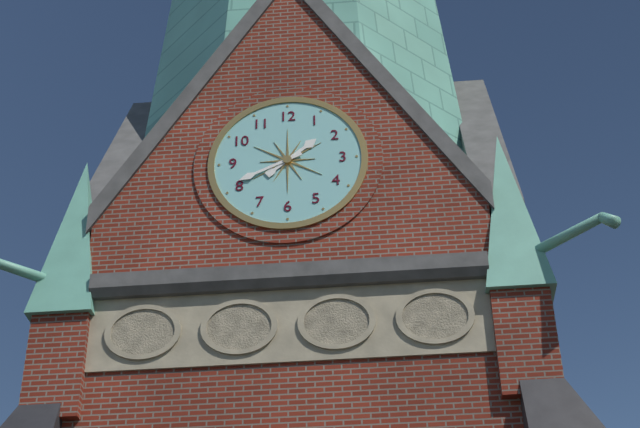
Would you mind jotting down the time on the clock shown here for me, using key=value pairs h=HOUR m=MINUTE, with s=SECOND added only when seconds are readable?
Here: h=1 m=41
